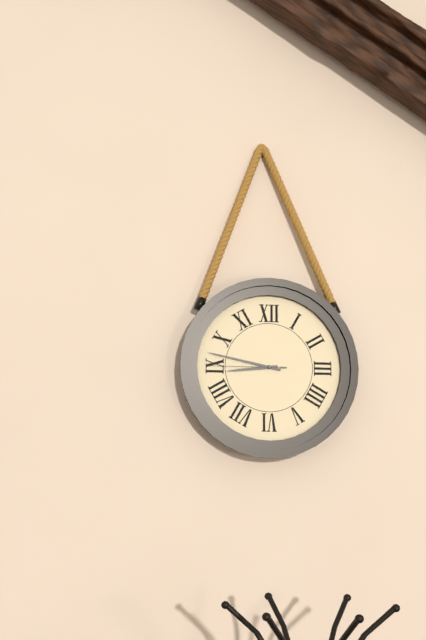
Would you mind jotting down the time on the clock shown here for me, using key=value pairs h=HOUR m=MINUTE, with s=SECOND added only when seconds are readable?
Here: h=8 m=47 s=45
